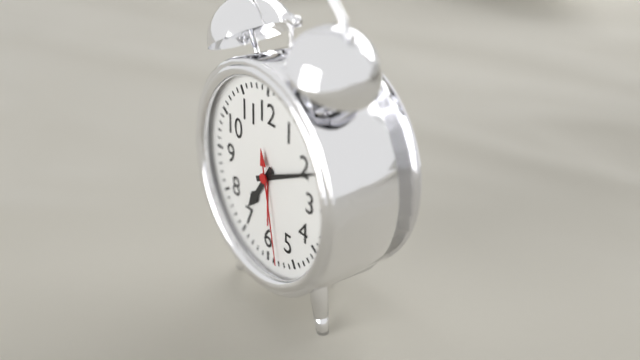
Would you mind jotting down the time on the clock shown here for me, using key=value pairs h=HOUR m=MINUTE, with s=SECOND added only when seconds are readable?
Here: h=7 m=11 s=28
